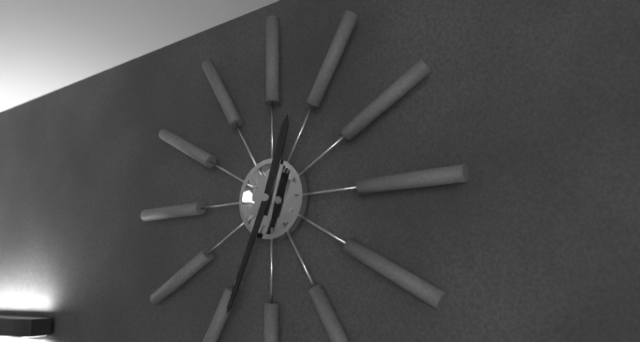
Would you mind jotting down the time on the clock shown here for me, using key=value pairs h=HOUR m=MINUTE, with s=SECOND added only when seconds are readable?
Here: h=12 m=34
